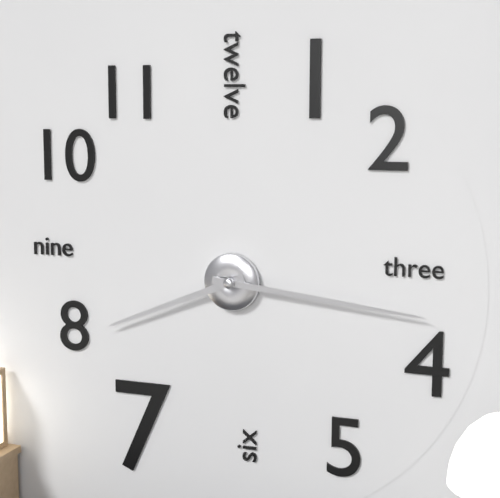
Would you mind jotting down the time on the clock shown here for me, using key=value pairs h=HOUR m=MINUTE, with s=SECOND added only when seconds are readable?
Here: h=8 m=16
